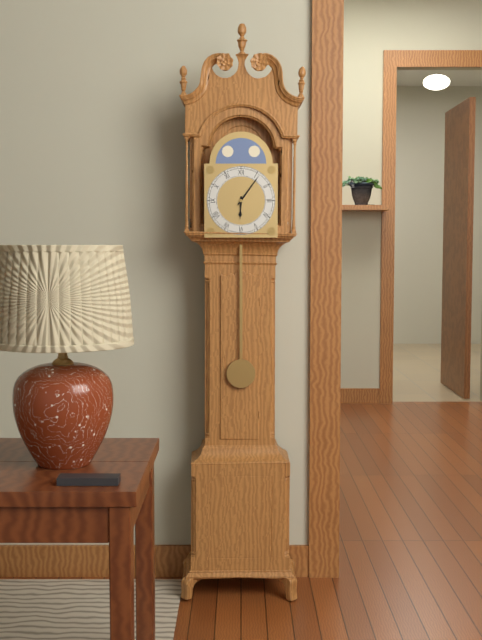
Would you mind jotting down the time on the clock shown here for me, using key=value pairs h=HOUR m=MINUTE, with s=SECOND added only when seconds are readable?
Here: h=6 m=6
